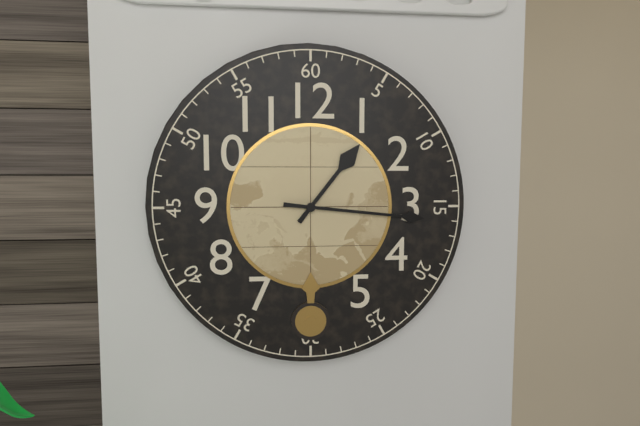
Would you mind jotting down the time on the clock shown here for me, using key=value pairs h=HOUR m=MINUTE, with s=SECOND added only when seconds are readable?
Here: h=1 m=16
